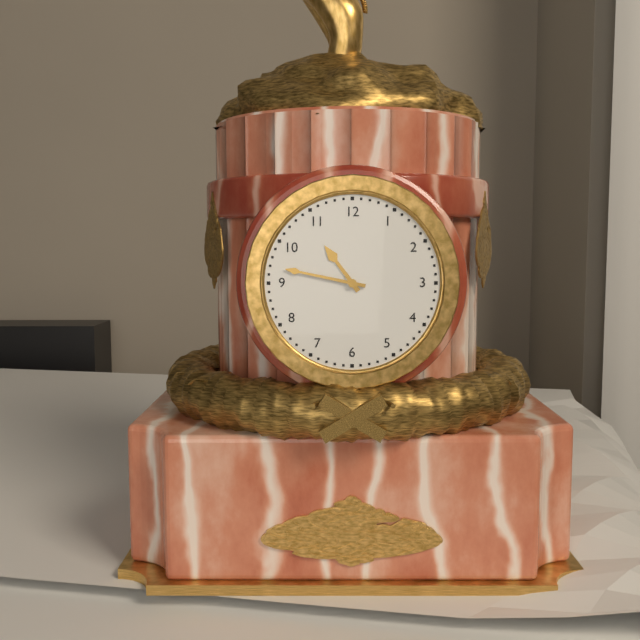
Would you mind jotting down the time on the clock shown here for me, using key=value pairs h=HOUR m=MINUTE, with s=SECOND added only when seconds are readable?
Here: h=10 m=47
